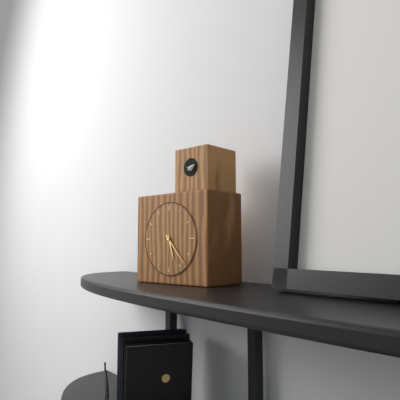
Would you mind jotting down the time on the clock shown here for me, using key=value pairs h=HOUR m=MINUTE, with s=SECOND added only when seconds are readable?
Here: h=5 m=23
